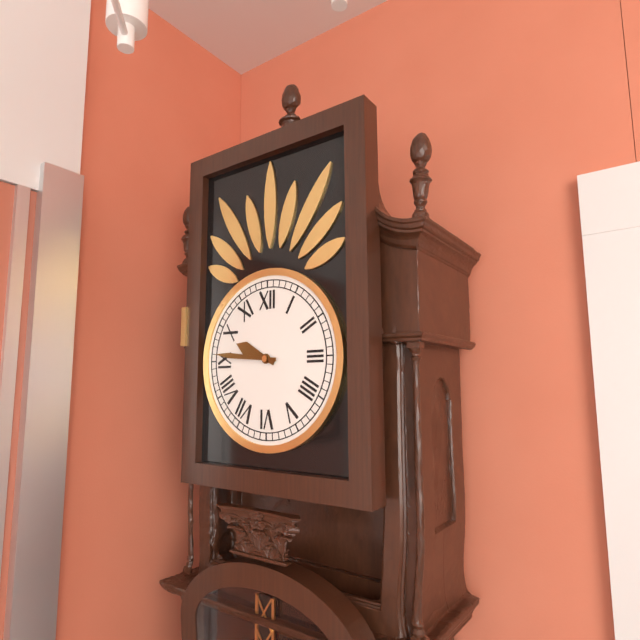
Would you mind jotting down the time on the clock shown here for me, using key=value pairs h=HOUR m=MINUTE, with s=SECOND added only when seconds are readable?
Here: h=9 m=46
